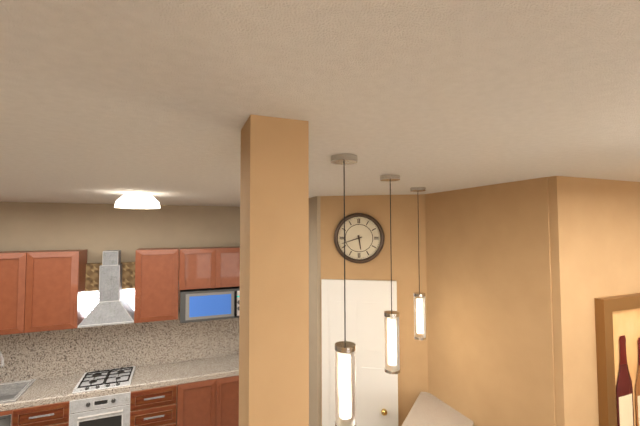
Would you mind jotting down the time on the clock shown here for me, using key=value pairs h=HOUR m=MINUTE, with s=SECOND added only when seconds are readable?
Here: h=5 m=42
